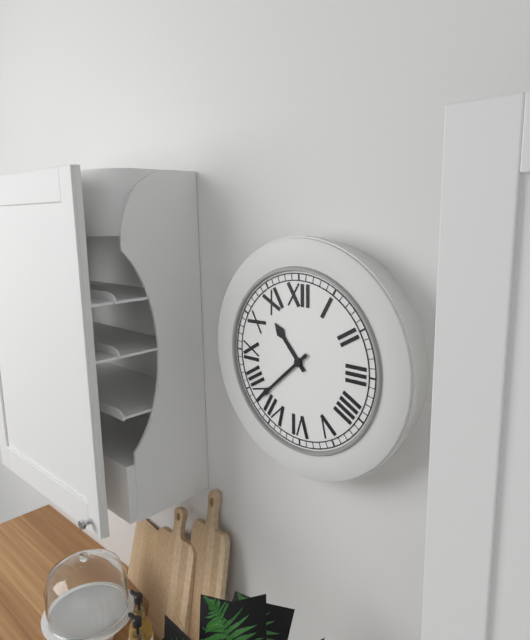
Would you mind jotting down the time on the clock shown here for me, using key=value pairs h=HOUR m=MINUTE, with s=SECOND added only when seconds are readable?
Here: h=10 m=38
